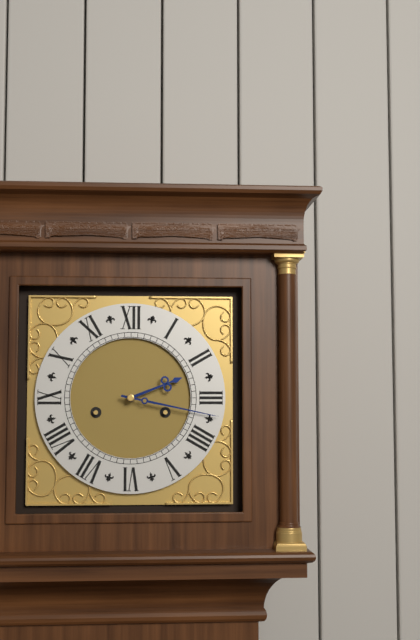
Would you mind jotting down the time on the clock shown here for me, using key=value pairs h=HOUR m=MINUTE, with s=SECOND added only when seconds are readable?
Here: h=2 m=17
